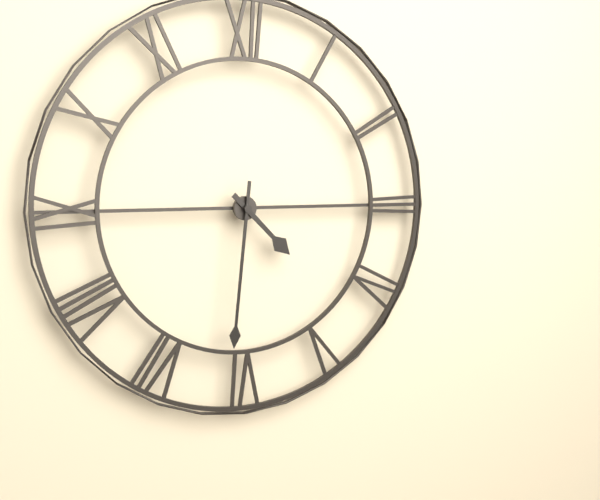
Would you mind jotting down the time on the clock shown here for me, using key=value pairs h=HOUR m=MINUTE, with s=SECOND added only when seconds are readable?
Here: h=4 m=31
